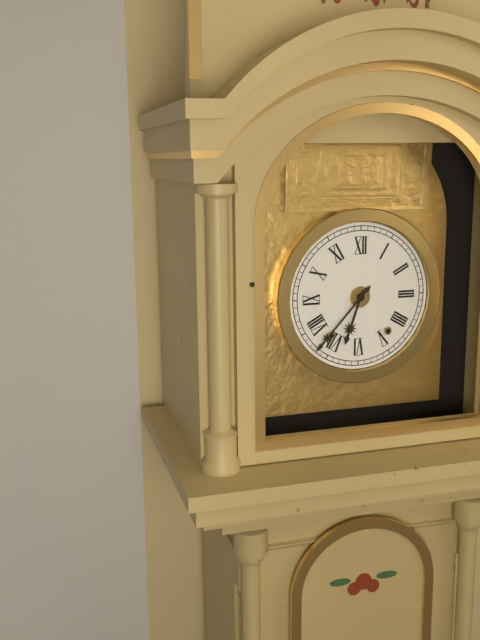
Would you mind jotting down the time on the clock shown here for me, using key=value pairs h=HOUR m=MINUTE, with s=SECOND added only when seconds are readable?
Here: h=6 m=37
